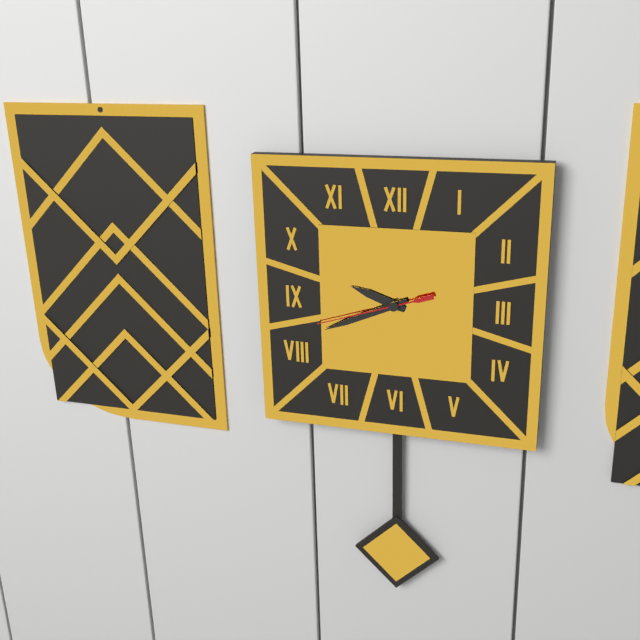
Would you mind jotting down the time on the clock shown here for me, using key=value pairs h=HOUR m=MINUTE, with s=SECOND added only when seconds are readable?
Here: h=9 m=41 s=42
